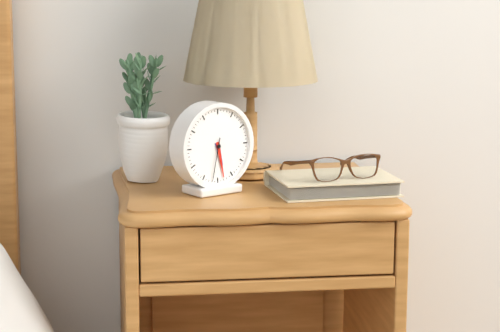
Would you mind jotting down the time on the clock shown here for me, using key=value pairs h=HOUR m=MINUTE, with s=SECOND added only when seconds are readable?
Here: h=5 m=28
